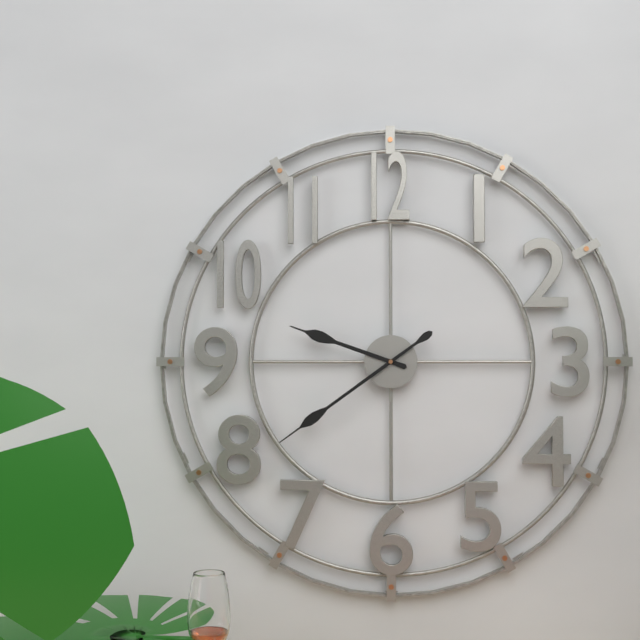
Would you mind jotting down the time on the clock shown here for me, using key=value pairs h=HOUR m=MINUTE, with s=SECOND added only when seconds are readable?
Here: h=9 m=39
